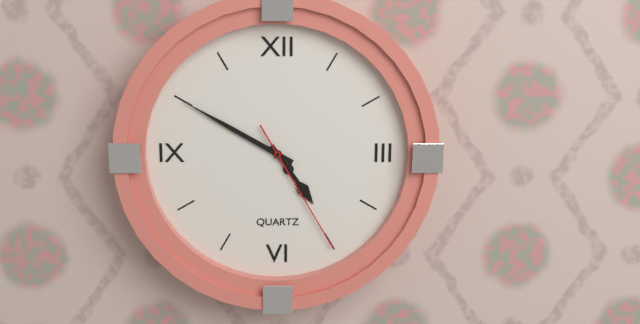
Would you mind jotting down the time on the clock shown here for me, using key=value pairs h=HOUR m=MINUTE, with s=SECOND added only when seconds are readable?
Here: h=4 m=50 s=25
